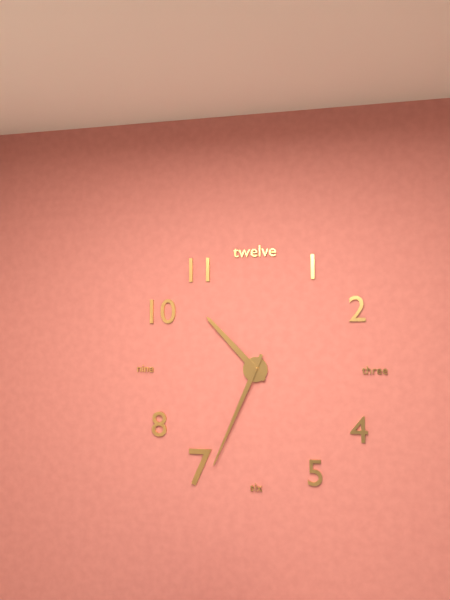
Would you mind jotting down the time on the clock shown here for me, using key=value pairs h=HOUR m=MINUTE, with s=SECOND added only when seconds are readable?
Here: h=10 m=34
